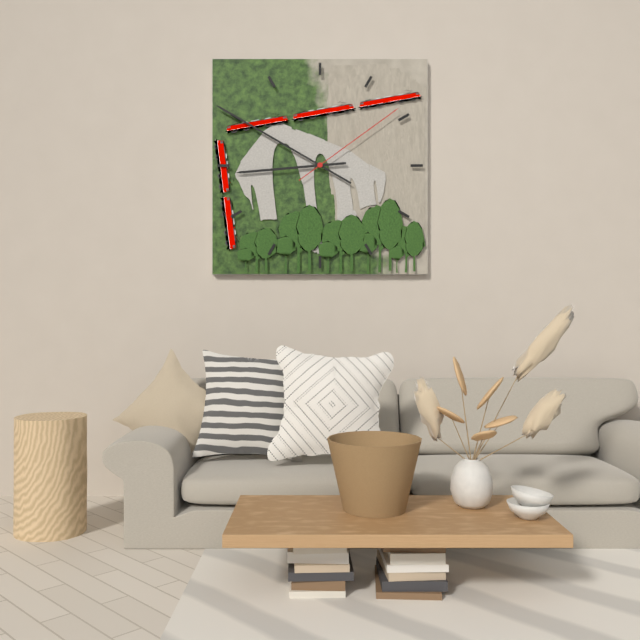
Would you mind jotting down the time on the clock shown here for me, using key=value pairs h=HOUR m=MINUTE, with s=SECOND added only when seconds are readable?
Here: h=8 m=50 s=9
